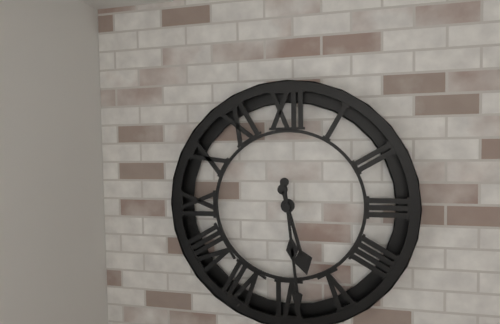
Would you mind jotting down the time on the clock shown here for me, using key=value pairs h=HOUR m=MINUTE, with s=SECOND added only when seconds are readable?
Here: h=5 m=29
